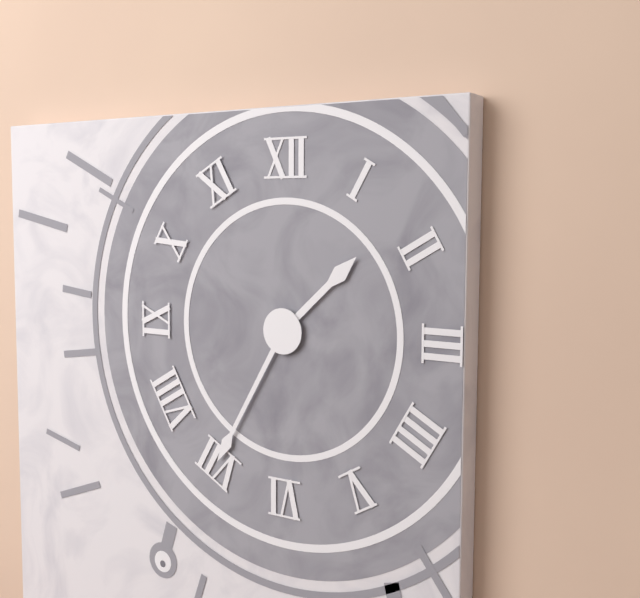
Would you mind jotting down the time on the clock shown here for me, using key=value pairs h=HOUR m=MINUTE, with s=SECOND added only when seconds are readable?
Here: h=1 m=35
